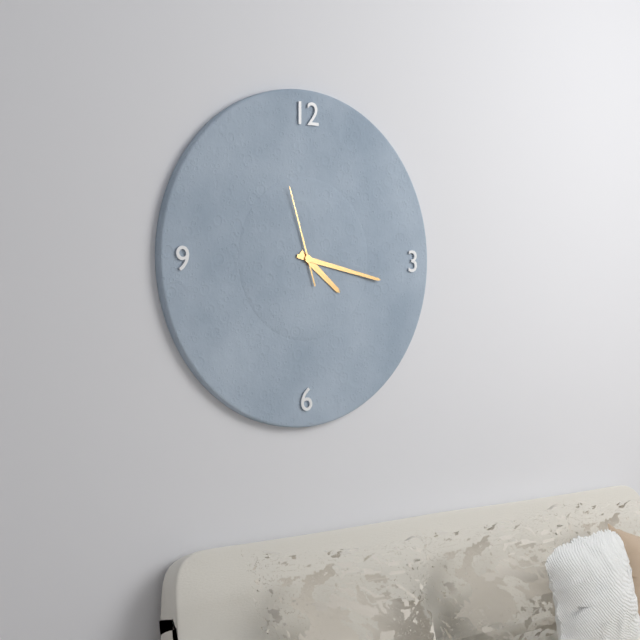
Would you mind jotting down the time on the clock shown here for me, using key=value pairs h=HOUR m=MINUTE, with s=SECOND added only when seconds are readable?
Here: h=4 m=17 s=57
